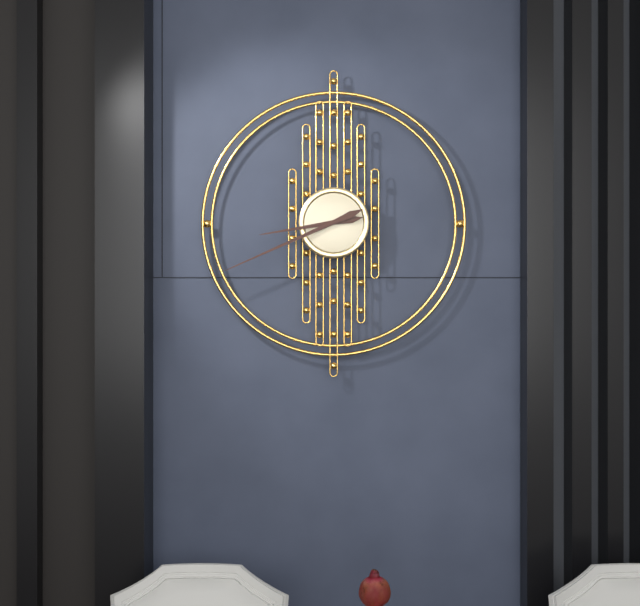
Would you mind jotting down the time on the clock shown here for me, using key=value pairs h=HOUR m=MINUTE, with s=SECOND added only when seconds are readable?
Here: h=8 m=41
